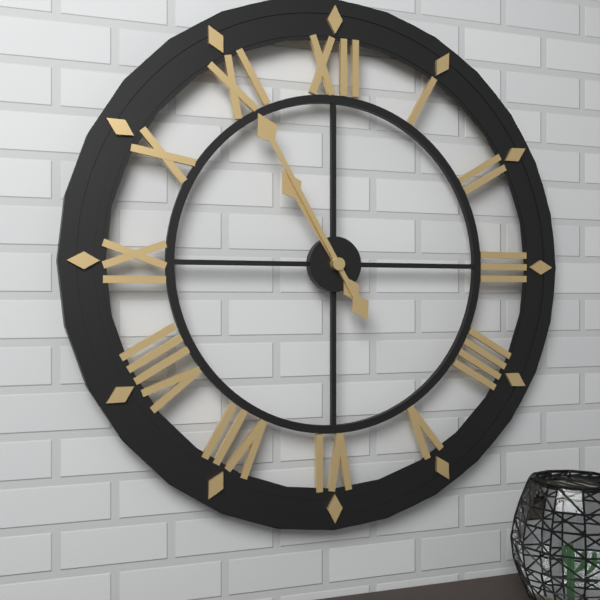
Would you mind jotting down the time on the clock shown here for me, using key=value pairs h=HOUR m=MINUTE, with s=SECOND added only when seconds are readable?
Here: h=10 m=55
